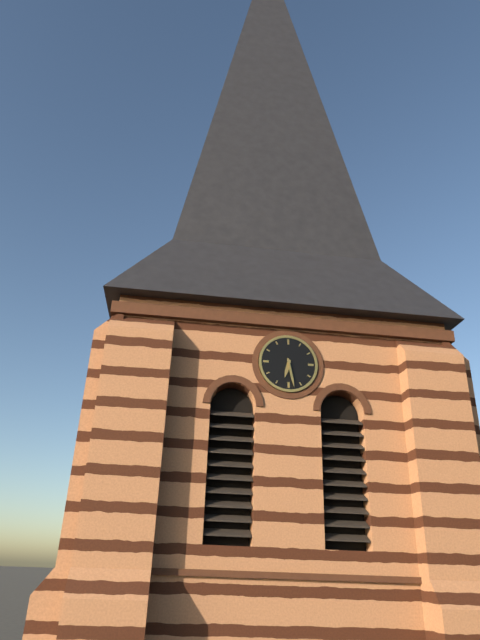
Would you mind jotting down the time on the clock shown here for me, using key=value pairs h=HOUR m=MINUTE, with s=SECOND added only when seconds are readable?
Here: h=6 m=28
